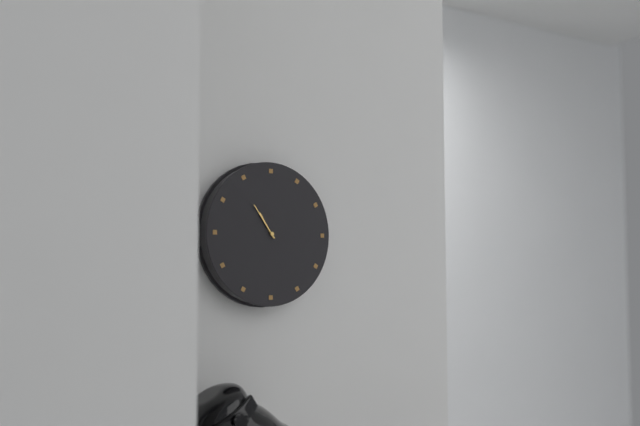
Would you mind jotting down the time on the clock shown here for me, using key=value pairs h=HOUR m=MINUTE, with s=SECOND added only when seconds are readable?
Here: h=10 m=54
